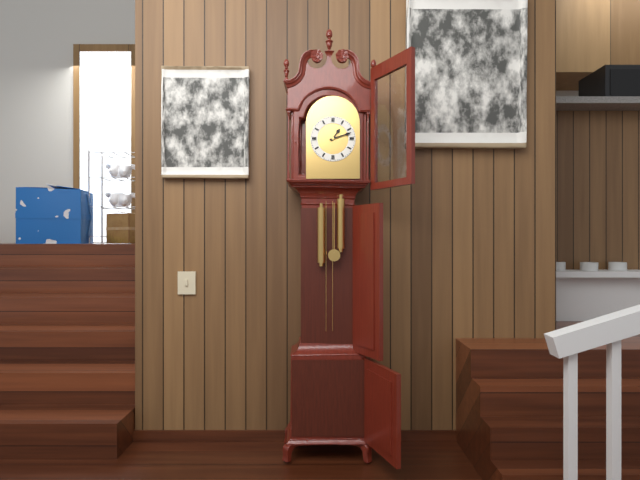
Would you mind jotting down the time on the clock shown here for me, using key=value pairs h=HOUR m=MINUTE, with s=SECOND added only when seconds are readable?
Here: h=1 m=12
